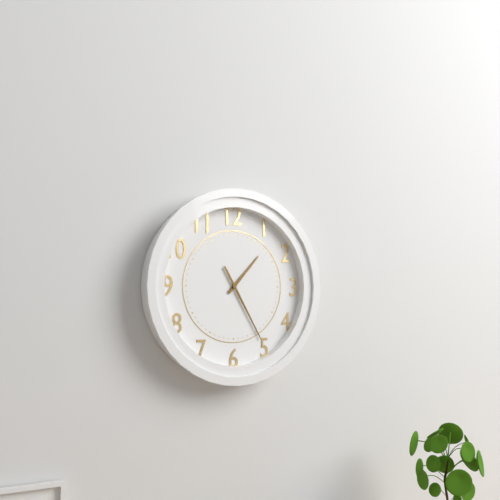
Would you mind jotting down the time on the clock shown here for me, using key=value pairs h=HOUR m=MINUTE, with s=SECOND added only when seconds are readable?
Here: h=1 m=25
